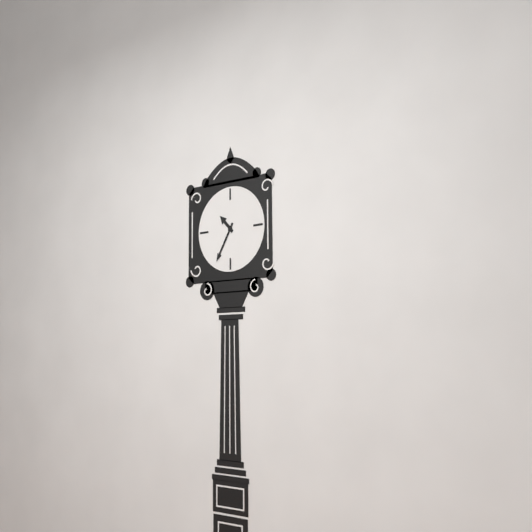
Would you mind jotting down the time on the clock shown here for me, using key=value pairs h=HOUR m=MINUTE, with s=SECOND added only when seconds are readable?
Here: h=10 m=35
